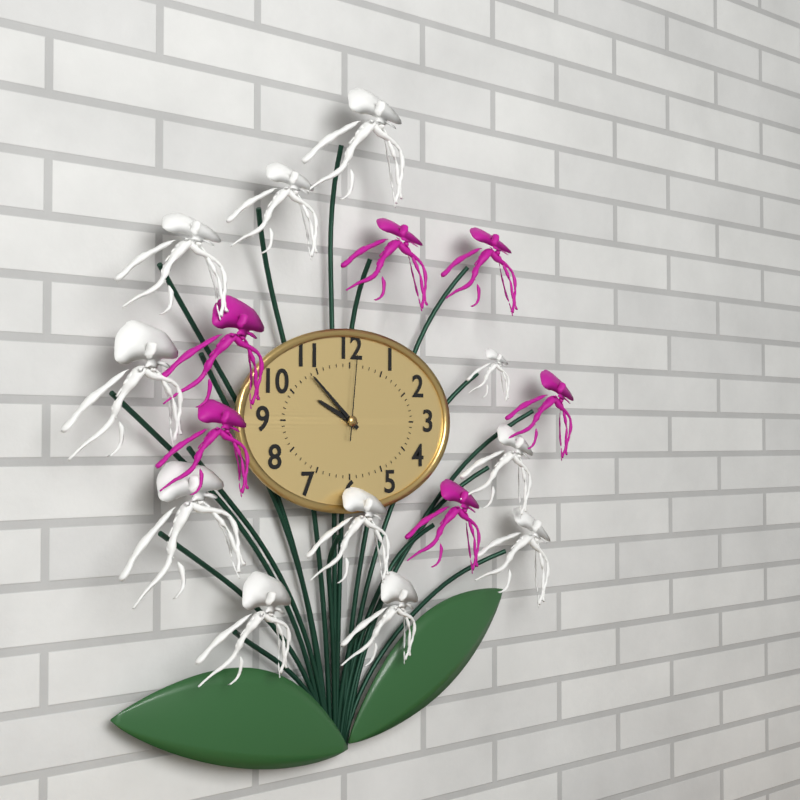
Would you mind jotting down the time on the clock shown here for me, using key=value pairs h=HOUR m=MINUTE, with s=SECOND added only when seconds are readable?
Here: h=9 m=52 s=1
